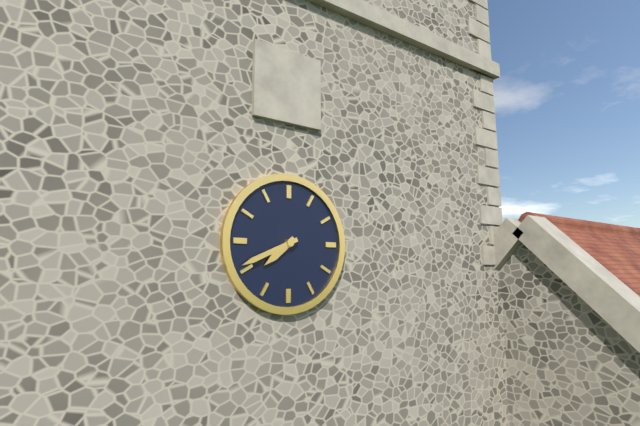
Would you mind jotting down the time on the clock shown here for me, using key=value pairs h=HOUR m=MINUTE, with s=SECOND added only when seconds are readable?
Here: h=7 m=41
